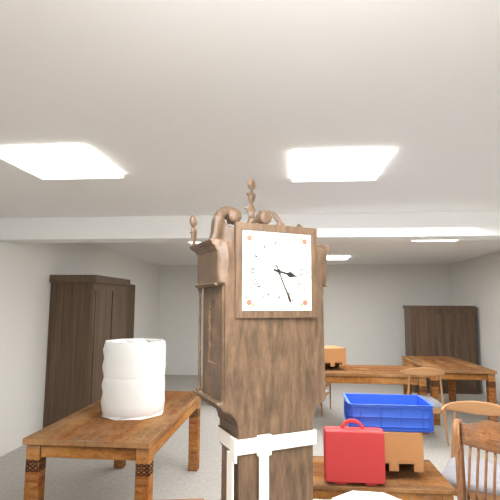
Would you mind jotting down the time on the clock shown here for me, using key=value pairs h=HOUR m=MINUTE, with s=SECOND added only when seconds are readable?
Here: h=3 m=26
